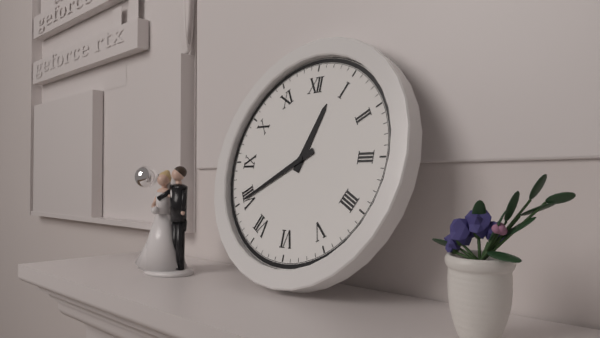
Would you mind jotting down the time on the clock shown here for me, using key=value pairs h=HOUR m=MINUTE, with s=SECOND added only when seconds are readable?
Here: h=12 m=40
